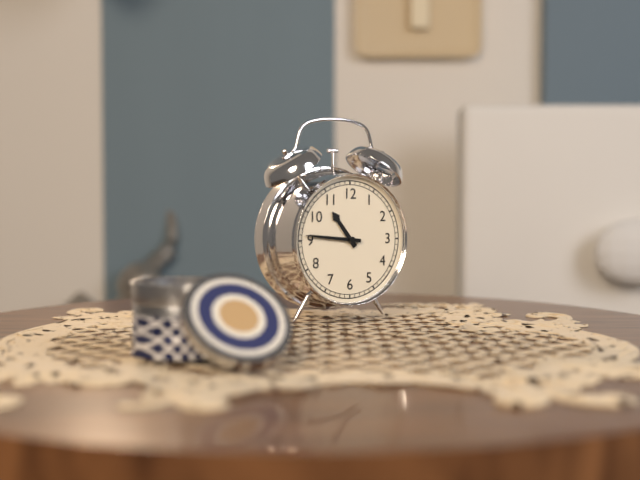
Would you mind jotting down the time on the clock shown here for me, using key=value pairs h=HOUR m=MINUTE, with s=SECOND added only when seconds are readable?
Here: h=10 m=46
